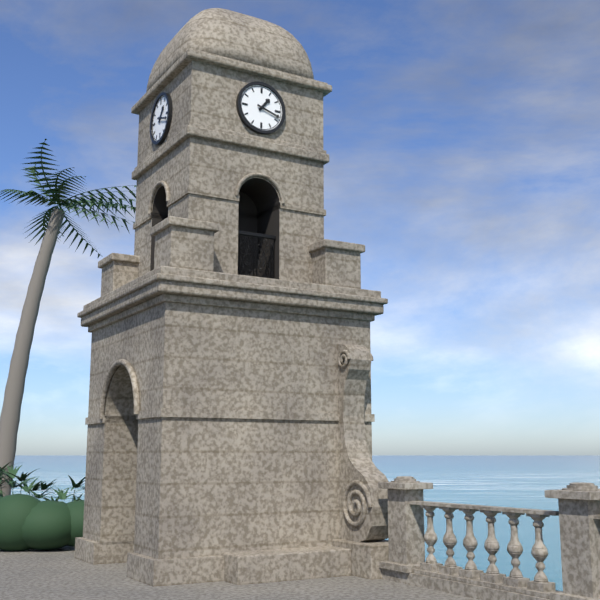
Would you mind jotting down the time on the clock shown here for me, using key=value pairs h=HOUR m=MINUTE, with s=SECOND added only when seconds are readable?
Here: h=1 m=18
